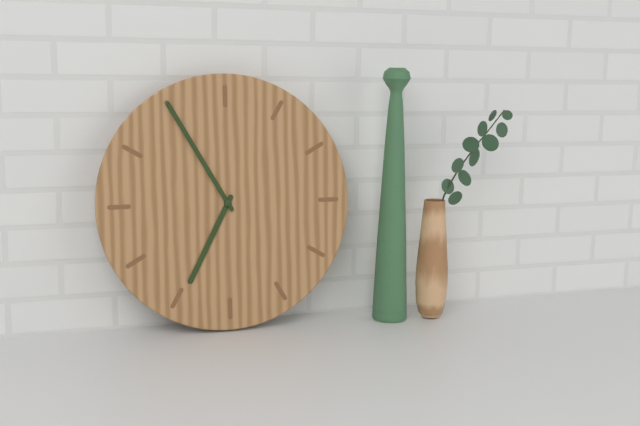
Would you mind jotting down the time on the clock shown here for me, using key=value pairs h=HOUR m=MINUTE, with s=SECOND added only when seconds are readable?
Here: h=6 m=55
